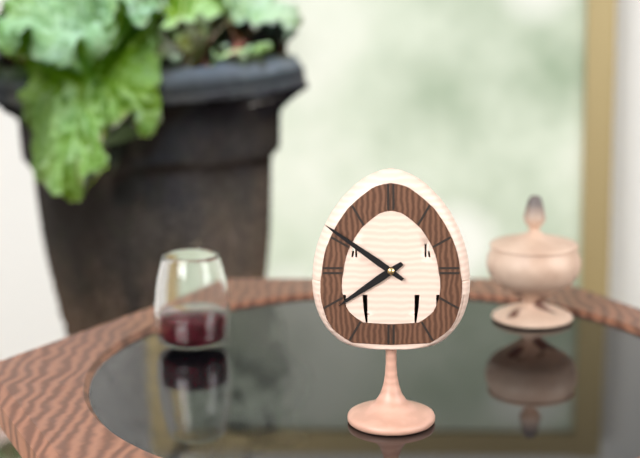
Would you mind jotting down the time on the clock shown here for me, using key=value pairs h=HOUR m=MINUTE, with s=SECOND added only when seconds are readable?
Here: h=7 m=51
